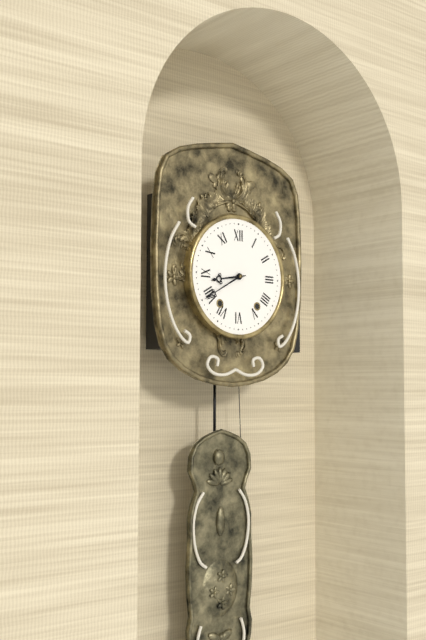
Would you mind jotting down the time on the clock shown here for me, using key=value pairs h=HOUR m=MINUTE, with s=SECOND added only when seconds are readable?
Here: h=8 m=40
